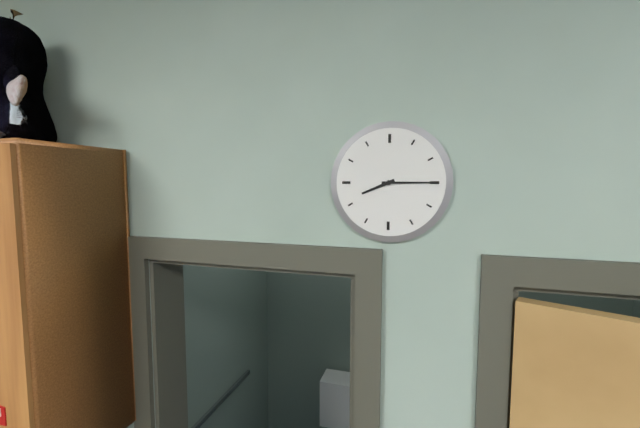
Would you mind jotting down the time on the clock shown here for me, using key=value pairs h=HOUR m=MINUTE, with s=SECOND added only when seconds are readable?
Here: h=8 m=15
